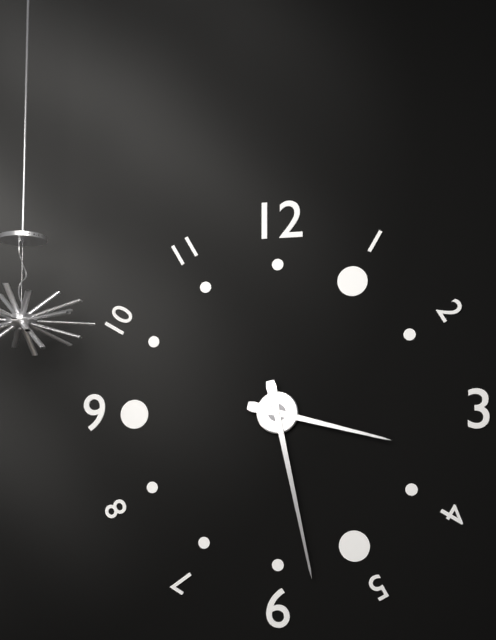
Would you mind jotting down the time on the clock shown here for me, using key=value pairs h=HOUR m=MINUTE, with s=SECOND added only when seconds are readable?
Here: h=3 m=28
